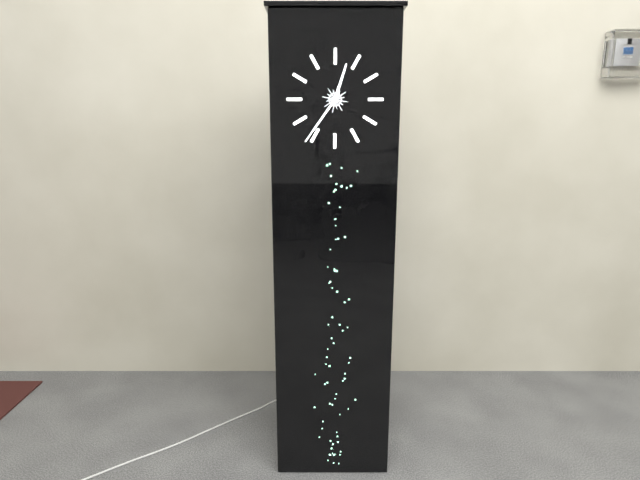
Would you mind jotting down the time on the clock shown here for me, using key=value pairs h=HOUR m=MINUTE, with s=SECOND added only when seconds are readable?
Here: h=12 m=36
